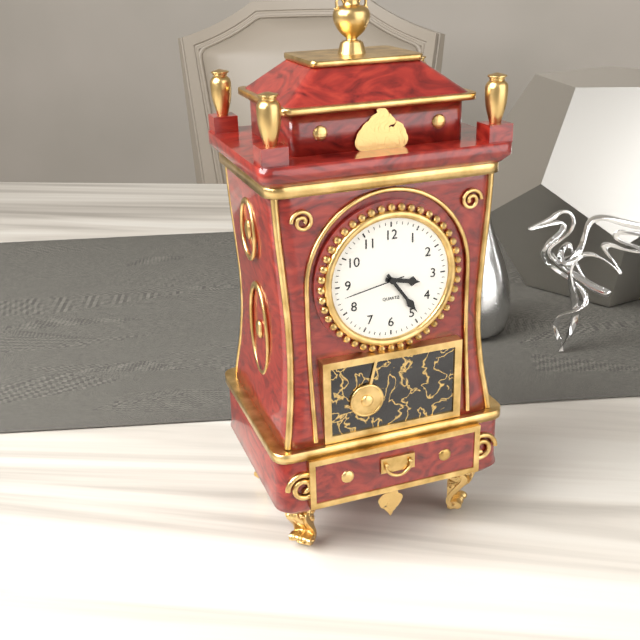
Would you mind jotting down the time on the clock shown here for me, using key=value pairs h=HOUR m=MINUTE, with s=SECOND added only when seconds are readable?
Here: h=3 m=24 s=43
